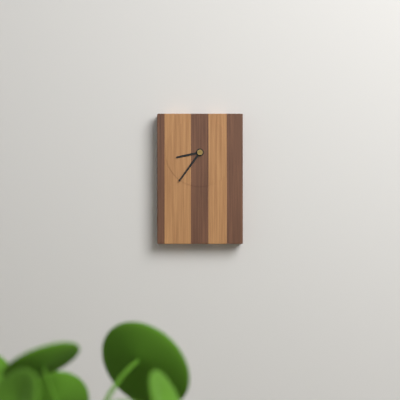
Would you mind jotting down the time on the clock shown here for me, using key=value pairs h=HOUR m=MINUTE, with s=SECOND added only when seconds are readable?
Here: h=8 m=36
